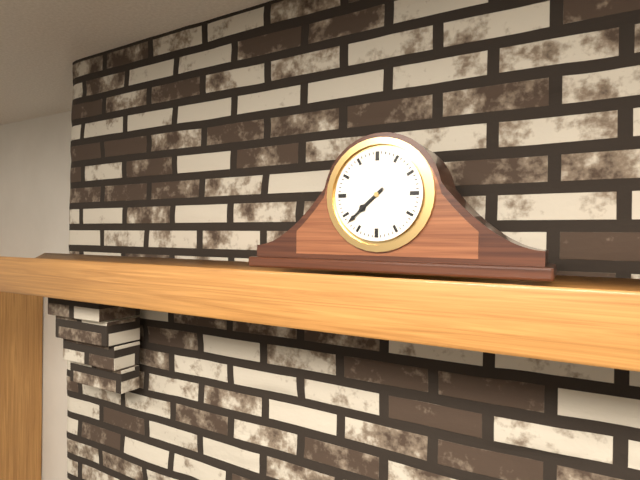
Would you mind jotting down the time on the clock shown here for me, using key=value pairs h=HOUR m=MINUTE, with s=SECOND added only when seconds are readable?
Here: h=7 m=38
